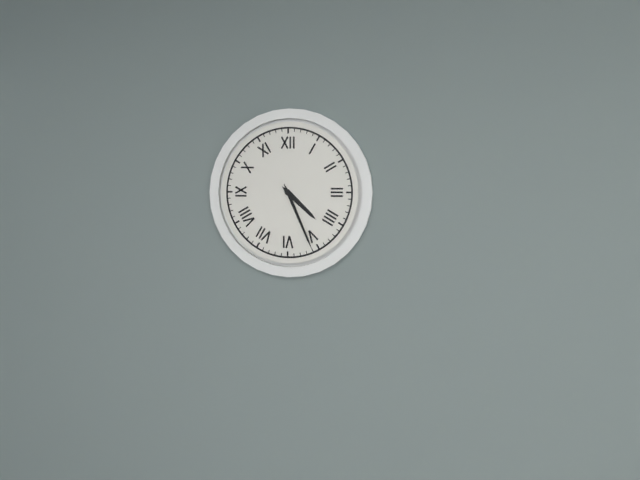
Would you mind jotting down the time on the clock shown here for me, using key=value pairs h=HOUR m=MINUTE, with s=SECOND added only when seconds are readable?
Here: h=4 m=26
